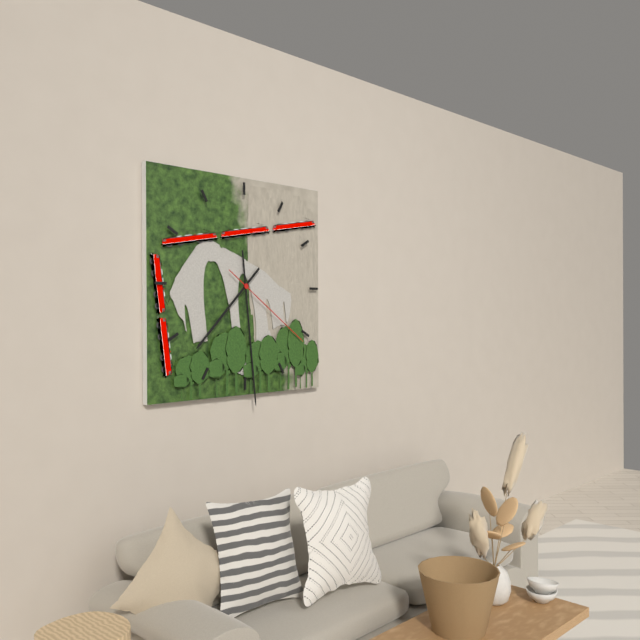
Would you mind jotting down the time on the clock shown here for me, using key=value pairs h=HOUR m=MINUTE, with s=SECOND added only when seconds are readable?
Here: h=7 m=29 s=21
